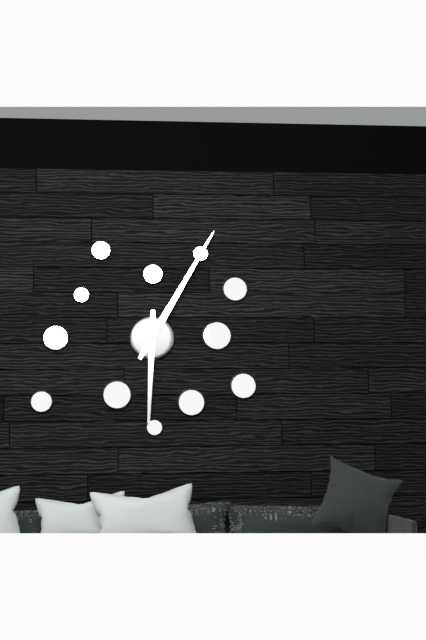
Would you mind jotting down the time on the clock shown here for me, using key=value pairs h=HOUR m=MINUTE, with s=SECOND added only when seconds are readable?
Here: h=6 m=5
